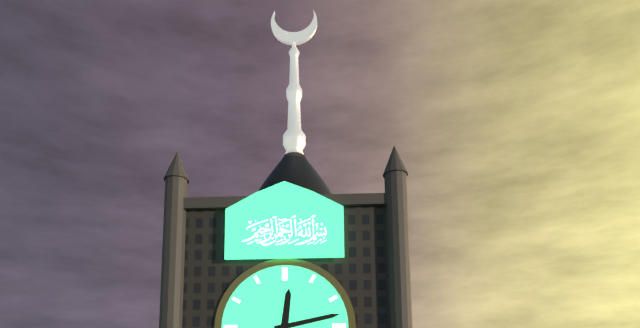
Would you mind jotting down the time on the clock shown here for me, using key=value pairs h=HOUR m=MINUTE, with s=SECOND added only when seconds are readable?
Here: h=12 m=13
